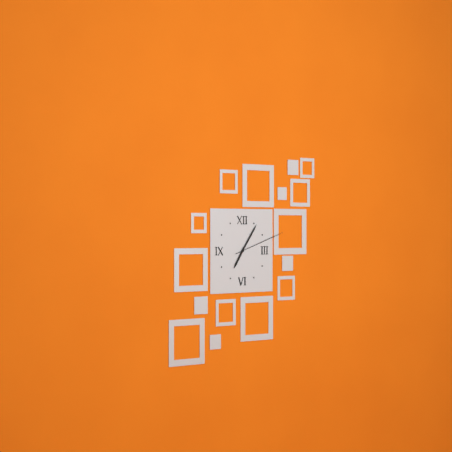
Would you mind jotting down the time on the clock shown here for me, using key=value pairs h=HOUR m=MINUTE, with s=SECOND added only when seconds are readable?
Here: h=7 m=6 s=12
